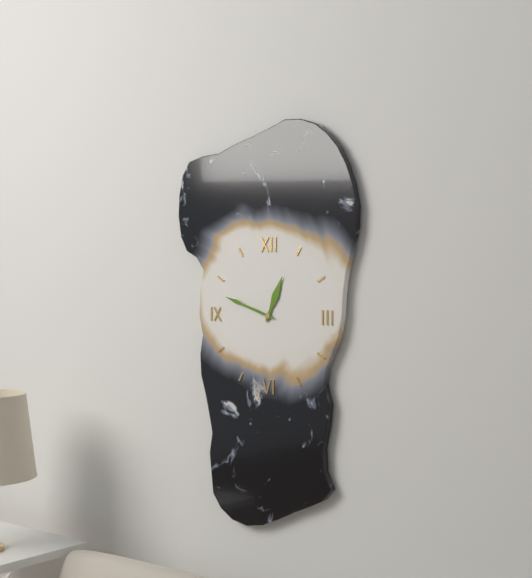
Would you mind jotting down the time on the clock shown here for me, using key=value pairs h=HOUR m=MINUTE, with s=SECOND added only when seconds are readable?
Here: h=12 m=48
